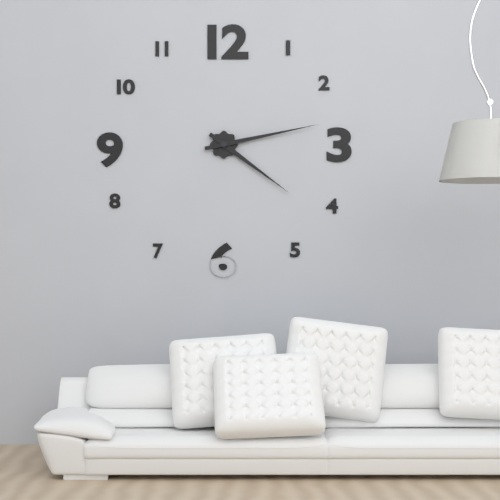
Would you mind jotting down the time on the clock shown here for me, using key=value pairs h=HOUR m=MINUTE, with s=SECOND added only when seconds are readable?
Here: h=4 m=13
